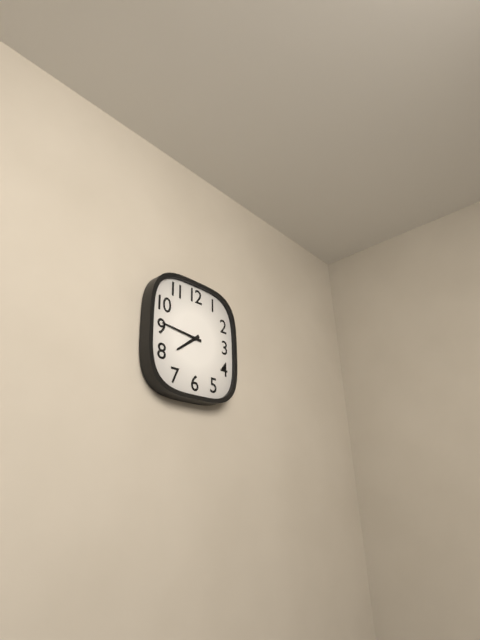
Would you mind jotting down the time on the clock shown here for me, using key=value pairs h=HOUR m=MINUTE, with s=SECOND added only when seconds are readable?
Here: h=7 m=46
